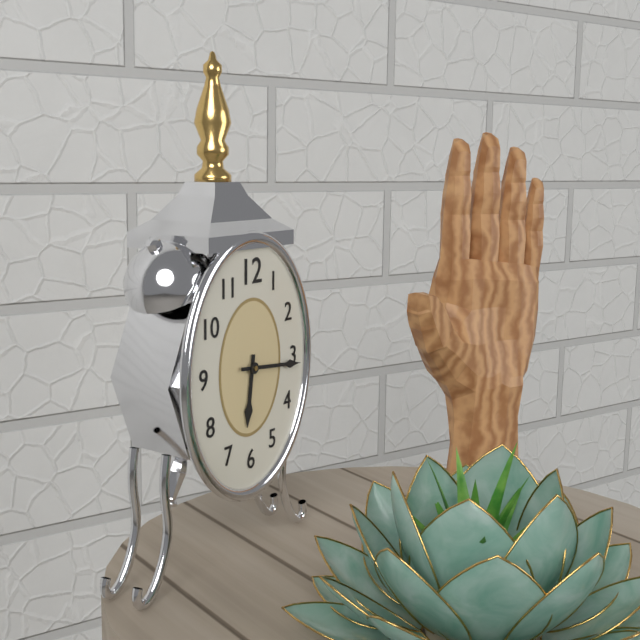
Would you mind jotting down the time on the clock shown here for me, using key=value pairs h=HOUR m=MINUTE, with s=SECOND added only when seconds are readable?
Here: h=6 m=16
